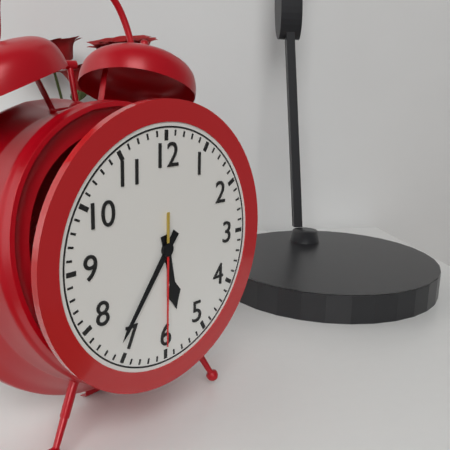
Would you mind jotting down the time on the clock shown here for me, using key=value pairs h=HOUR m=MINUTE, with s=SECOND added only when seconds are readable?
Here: h=5 m=36 s=30
